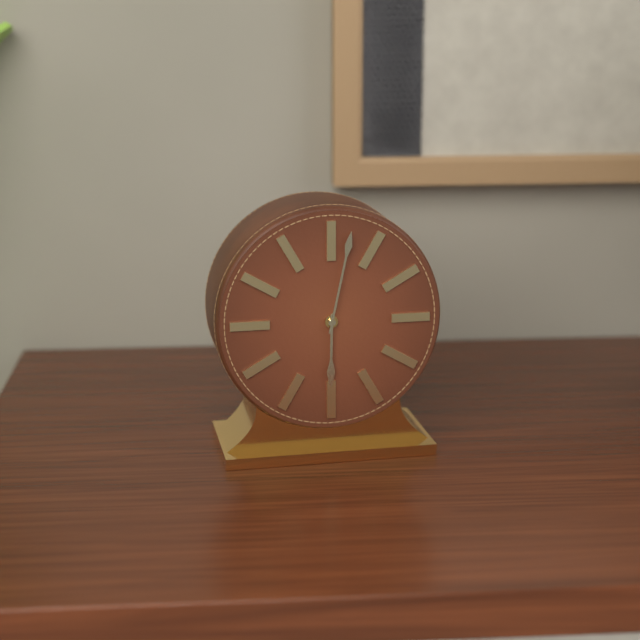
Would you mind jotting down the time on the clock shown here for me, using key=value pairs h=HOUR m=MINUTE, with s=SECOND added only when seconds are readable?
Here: h=6 m=2
